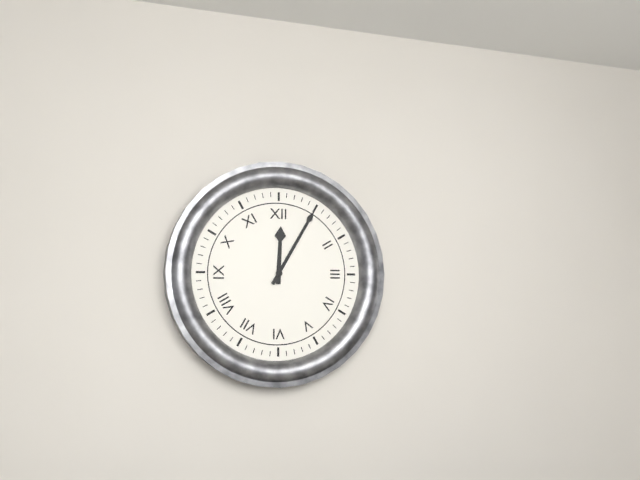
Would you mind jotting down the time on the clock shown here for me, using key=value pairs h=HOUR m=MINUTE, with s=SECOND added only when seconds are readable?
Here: h=12 m=5
